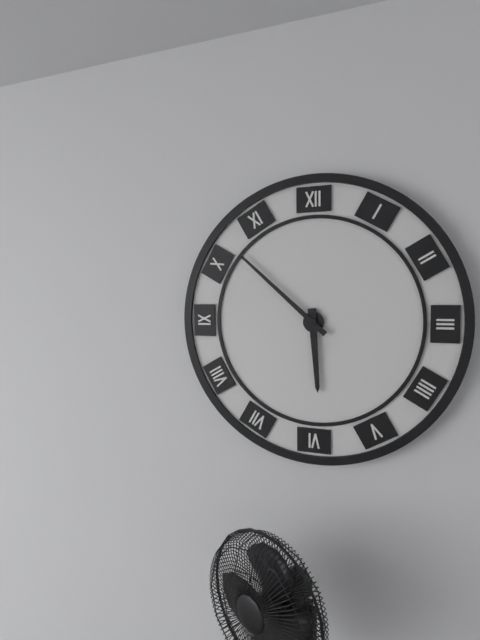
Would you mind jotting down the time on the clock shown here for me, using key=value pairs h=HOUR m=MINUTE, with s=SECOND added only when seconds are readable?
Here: h=5 m=52
